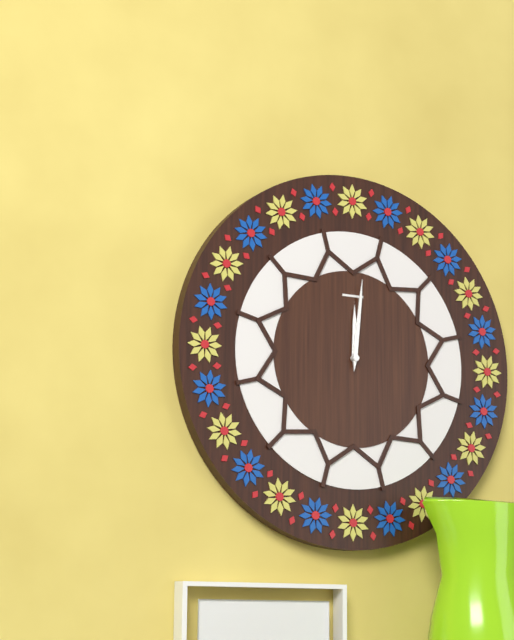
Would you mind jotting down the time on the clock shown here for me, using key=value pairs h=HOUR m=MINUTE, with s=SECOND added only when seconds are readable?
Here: h=12 m=1
